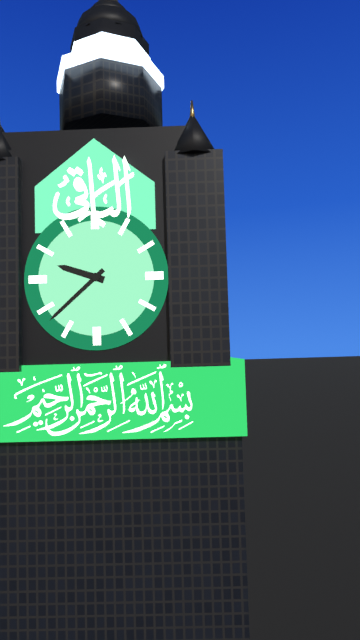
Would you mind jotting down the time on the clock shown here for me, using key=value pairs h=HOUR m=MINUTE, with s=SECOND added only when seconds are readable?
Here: h=9 m=38
